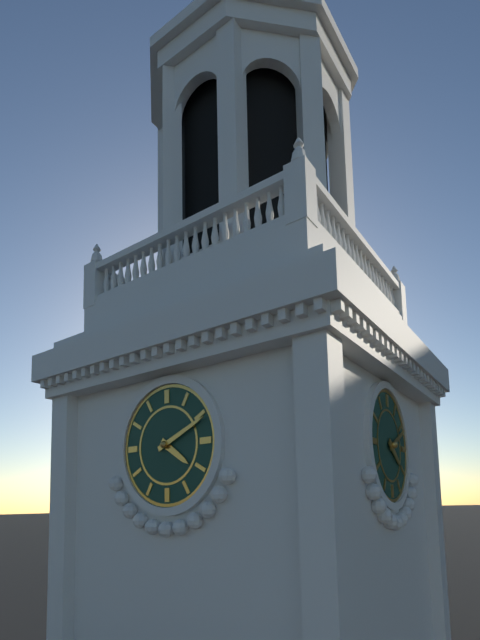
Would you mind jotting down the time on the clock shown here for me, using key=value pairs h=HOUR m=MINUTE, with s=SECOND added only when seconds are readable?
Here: h=4 m=11
